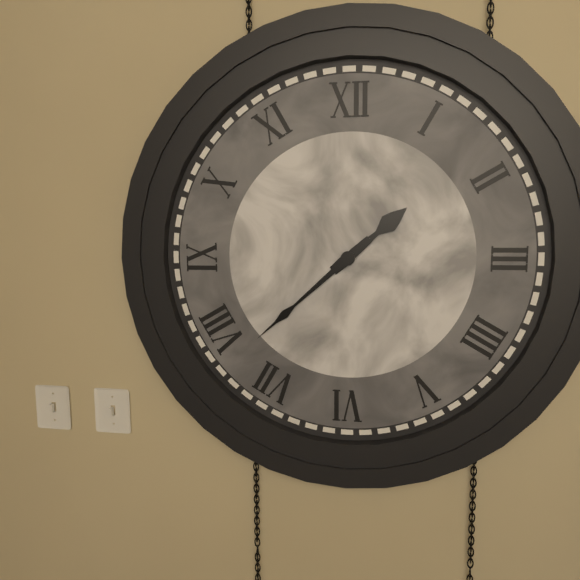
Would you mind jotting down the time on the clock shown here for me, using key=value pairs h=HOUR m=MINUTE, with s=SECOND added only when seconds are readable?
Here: h=1 m=38
